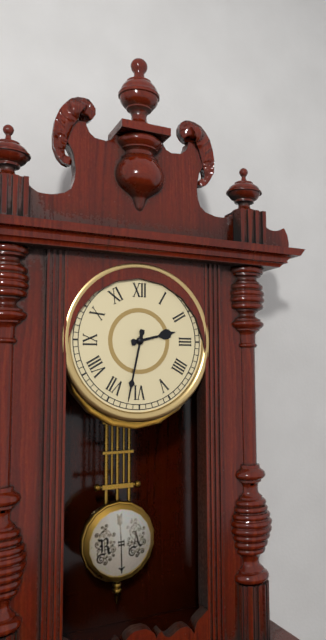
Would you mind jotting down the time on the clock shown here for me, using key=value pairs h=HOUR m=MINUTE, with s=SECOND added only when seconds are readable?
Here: h=2 m=32
